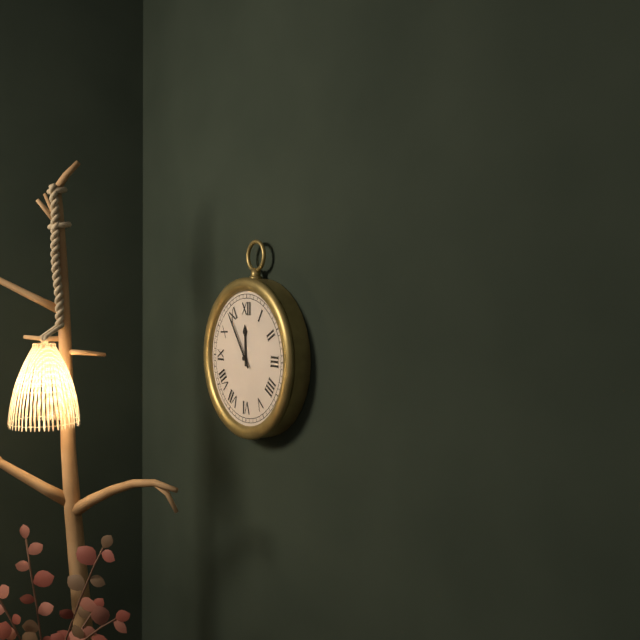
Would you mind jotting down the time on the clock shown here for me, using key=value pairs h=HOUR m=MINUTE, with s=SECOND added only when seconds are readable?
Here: h=11 m=54
